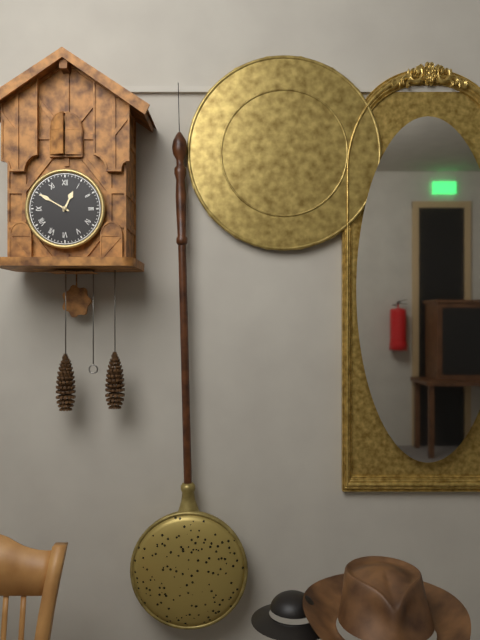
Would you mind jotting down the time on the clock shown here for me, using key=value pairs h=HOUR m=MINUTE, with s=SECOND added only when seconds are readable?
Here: h=12 m=50
